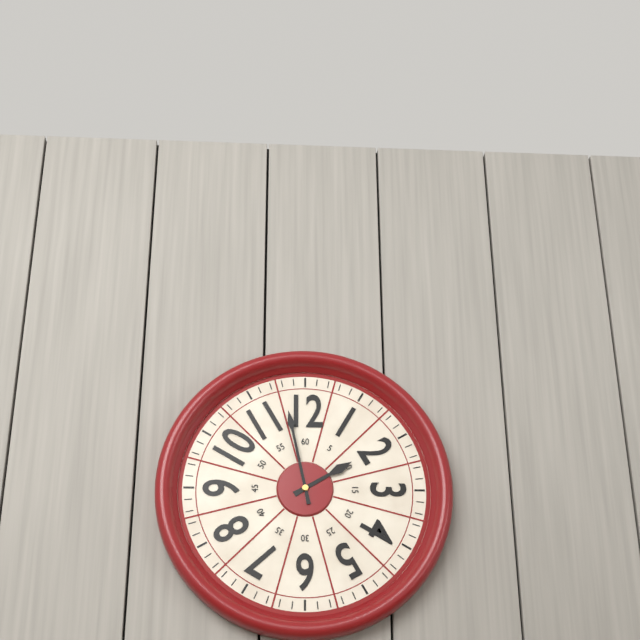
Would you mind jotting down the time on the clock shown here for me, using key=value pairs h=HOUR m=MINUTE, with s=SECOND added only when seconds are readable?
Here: h=1 m=58
